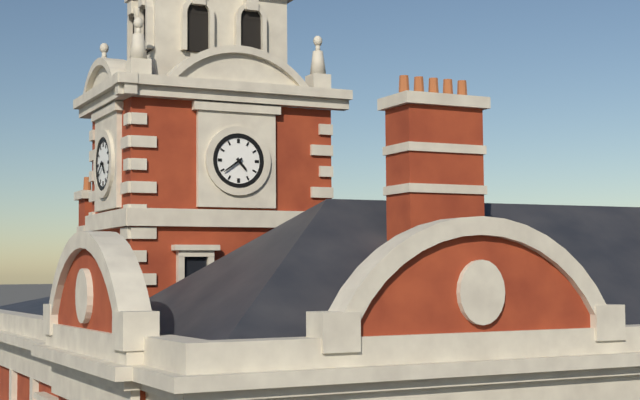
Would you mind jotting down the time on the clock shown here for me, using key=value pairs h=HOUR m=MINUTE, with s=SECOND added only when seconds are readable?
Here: h=4 m=39
